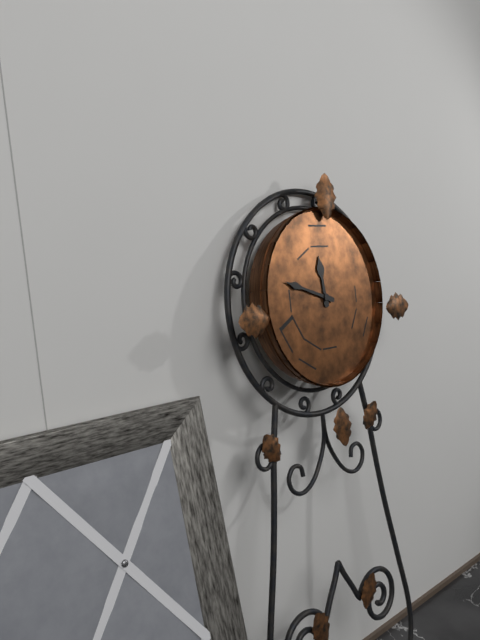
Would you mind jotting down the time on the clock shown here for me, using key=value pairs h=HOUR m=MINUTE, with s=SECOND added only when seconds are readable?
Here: h=11 m=48
